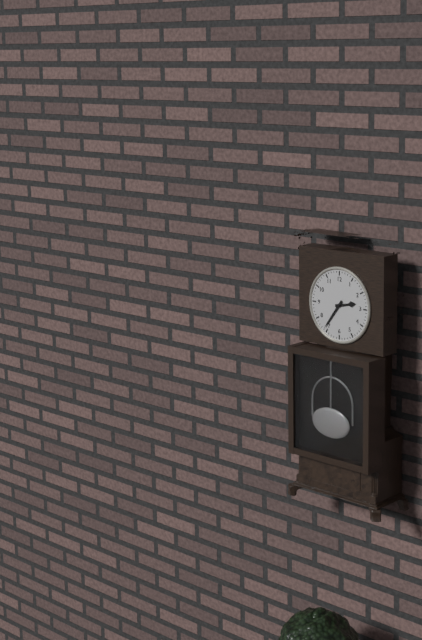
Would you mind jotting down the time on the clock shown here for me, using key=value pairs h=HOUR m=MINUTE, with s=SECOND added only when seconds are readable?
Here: h=2 m=36
